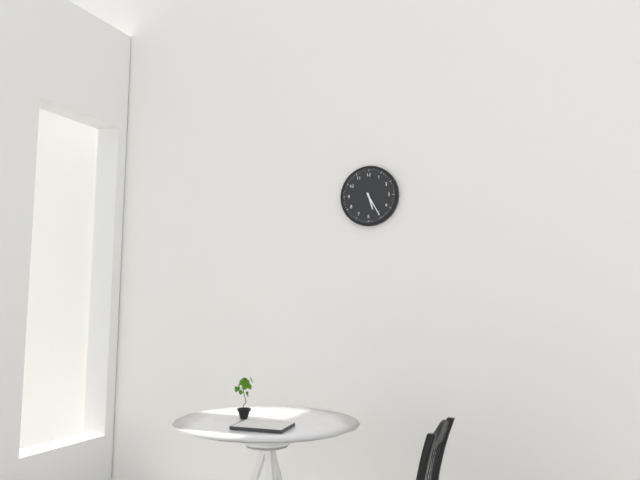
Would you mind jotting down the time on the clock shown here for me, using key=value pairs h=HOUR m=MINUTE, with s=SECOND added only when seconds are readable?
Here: h=5 m=25
